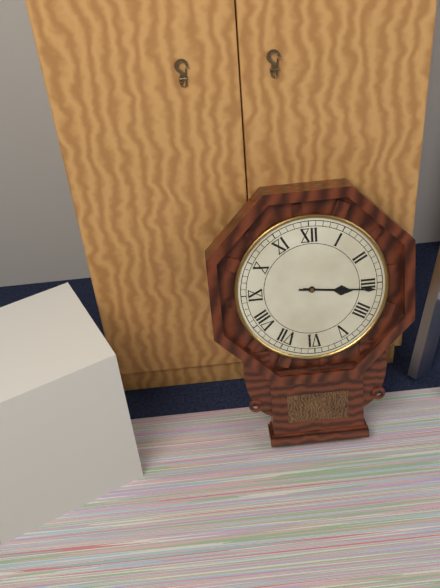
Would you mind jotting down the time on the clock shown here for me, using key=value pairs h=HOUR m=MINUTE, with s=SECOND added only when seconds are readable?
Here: h=3 m=16
